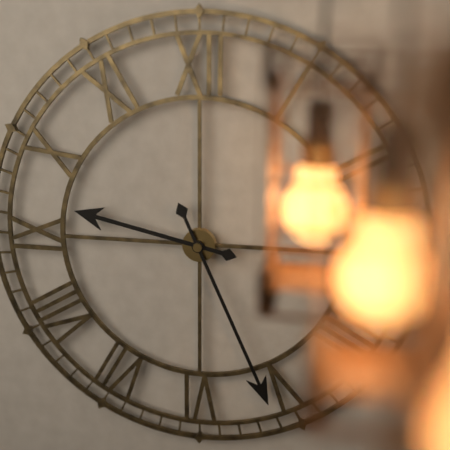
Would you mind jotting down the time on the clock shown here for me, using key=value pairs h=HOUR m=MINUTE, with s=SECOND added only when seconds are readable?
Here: h=9 m=26
